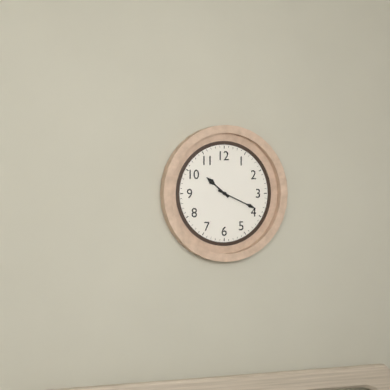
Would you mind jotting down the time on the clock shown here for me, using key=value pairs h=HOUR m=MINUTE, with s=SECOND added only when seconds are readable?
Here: h=10 m=19
